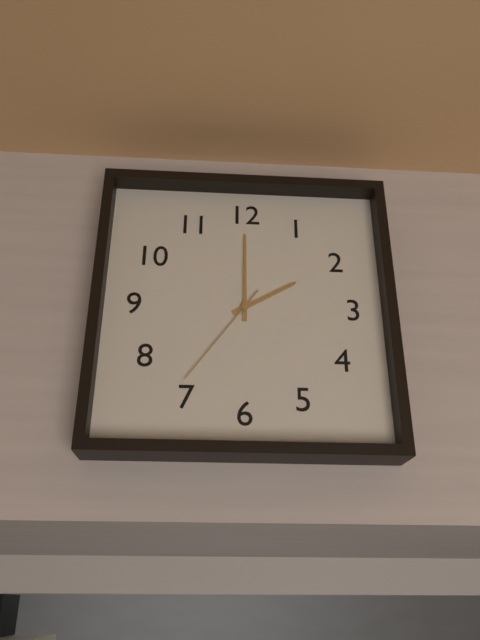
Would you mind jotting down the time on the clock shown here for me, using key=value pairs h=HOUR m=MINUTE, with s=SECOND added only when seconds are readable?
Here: h=2 m=0 s=36
